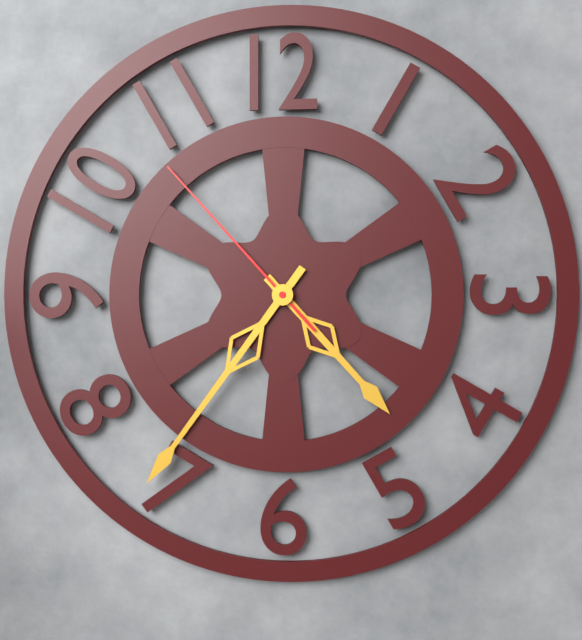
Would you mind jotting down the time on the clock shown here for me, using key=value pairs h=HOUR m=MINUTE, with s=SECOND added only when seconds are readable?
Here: h=4 m=36 s=53
